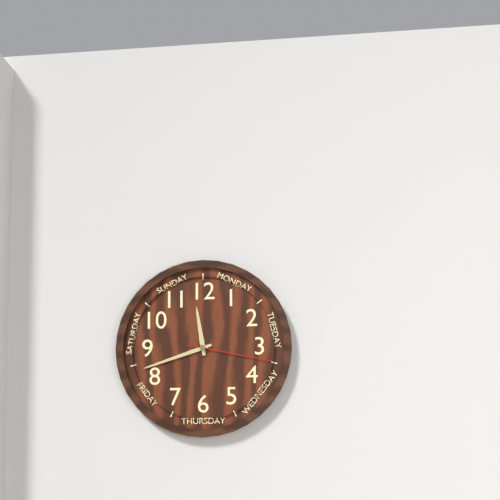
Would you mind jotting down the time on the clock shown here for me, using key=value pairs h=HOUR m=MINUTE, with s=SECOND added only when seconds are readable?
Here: h=11 m=42 s=17
